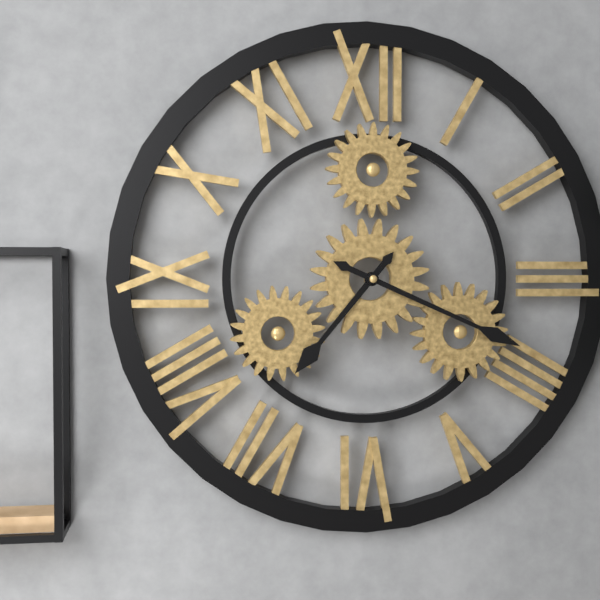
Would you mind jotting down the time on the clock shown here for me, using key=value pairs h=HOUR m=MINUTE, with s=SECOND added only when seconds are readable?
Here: h=7 m=19
